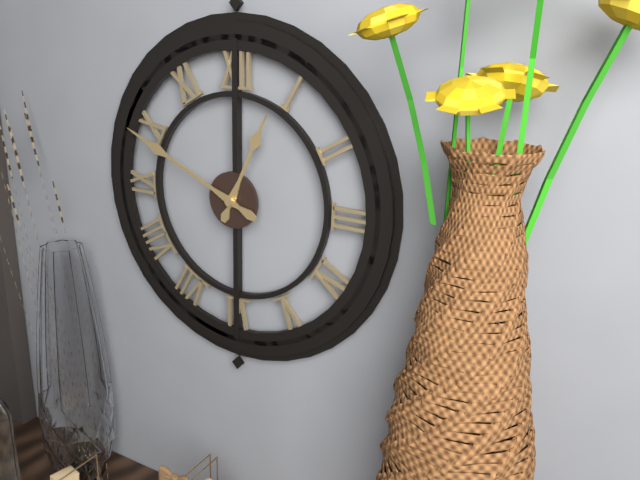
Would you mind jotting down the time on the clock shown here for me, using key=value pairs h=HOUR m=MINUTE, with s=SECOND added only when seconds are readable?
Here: h=12 m=49
